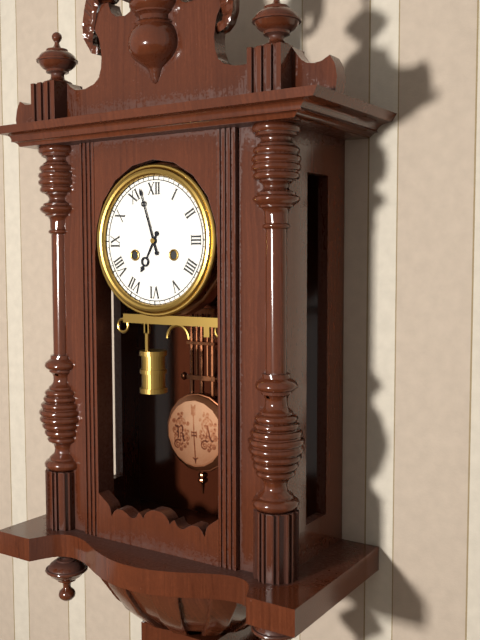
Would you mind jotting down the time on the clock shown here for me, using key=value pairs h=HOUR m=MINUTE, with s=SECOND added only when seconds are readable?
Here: h=6 m=57
